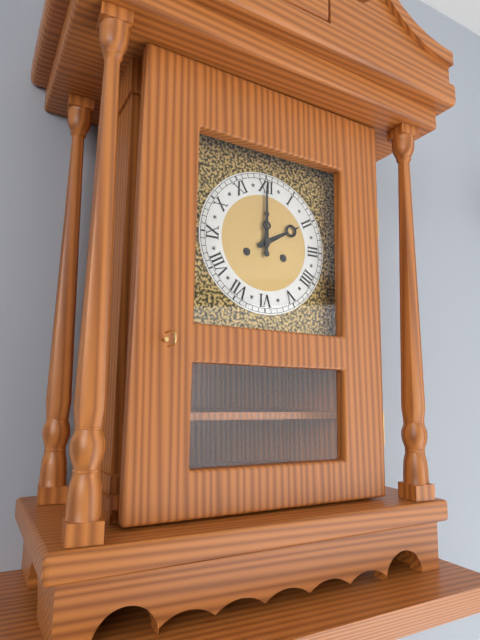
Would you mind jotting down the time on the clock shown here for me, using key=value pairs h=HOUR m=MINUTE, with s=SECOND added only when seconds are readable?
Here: h=2 m=0
